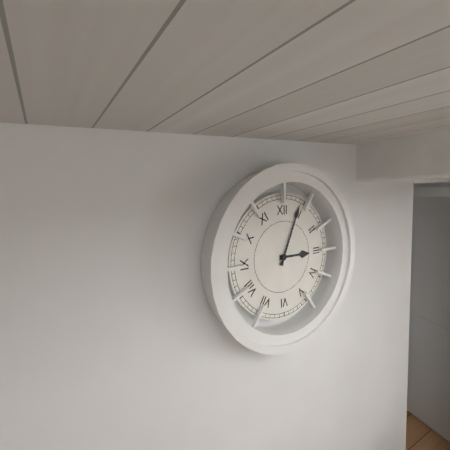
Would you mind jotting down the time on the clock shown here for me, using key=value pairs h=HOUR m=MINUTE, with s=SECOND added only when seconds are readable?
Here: h=3 m=4
